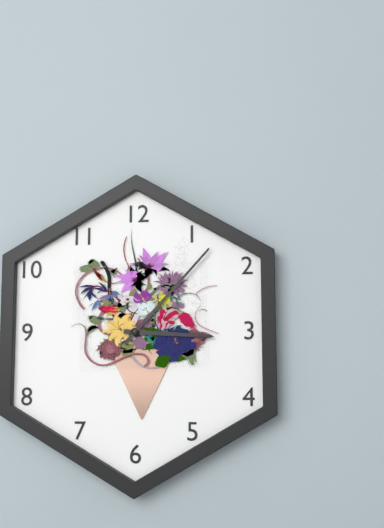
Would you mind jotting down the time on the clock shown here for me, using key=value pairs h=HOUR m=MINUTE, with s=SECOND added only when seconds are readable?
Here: h=3 m=7
